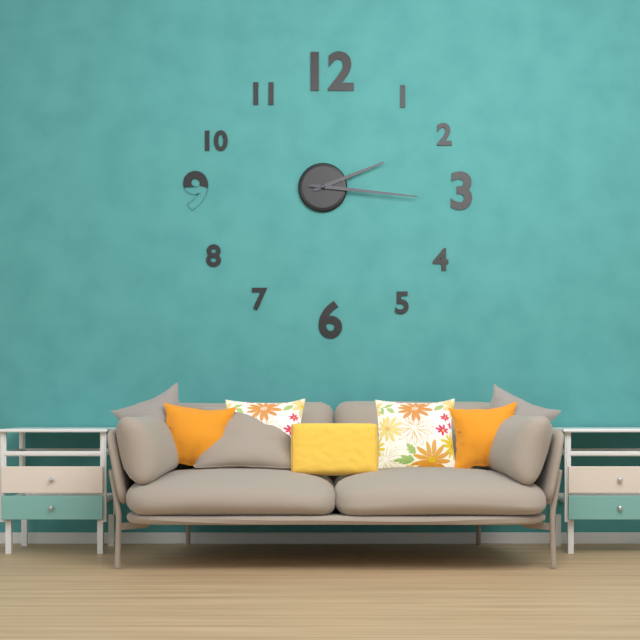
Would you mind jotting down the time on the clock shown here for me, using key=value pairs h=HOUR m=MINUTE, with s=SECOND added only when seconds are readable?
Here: h=2 m=16
